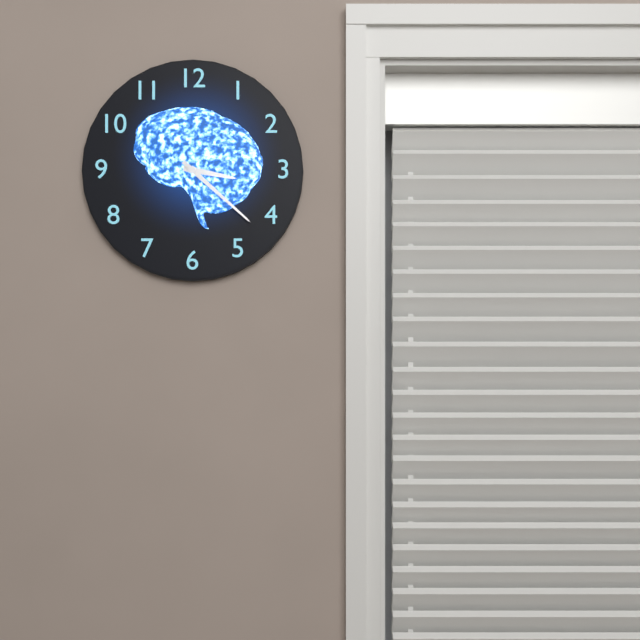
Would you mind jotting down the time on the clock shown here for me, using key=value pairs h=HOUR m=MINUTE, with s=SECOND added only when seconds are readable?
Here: h=3 m=22
